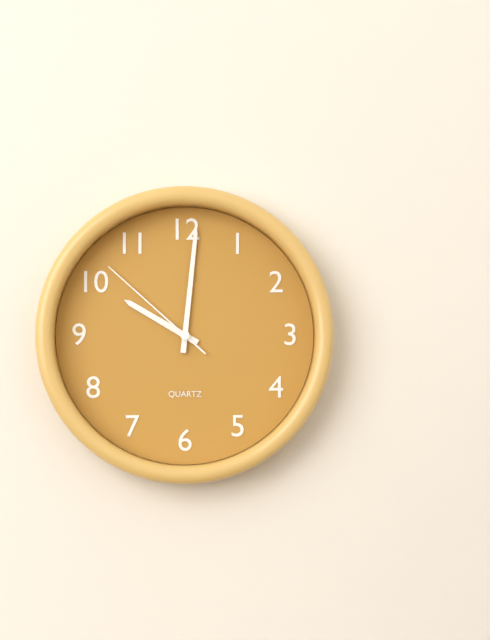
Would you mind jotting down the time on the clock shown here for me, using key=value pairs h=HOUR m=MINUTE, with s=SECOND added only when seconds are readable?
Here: h=10 m=1 s=52
